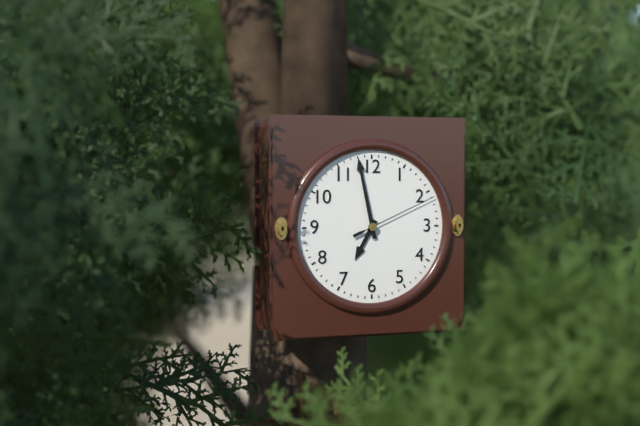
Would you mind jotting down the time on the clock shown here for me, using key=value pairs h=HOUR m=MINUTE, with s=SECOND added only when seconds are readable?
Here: h=6 m=58 s=11
